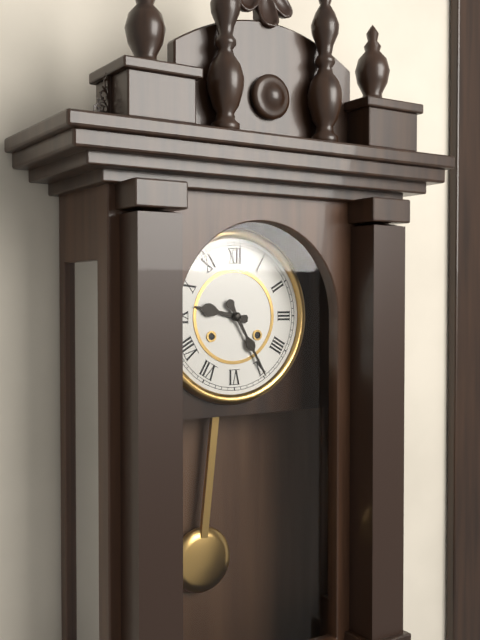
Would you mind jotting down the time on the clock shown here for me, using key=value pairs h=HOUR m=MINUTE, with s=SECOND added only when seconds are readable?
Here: h=9 m=25
